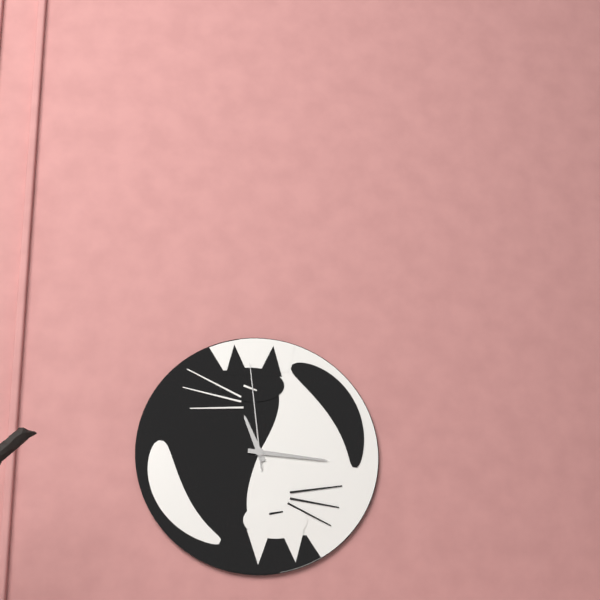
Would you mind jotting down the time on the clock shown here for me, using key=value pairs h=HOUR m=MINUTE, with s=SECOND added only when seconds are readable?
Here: h=11 m=16 s=59
